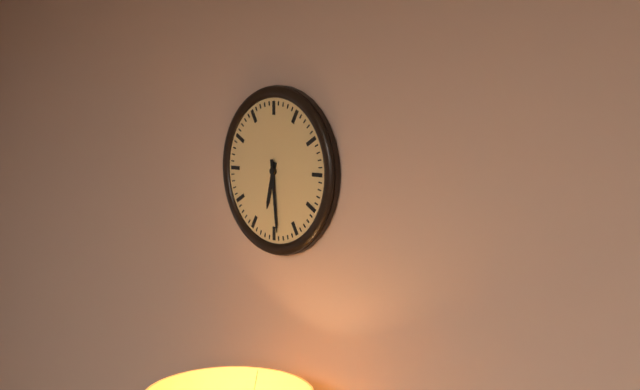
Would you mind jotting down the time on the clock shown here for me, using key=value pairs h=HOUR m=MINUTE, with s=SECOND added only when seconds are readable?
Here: h=6 m=29
